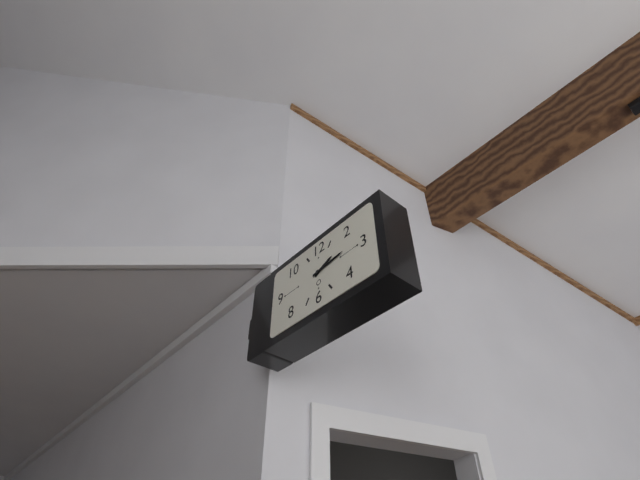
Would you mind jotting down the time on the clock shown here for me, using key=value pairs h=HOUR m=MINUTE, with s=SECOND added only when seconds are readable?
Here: h=2 m=14
